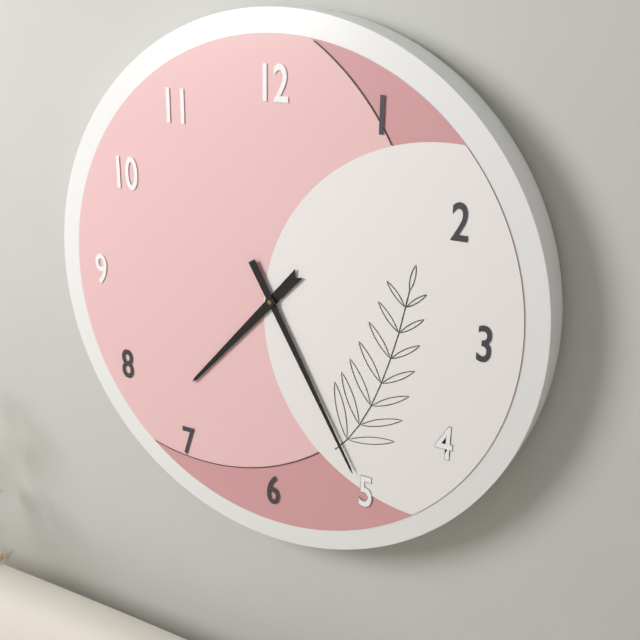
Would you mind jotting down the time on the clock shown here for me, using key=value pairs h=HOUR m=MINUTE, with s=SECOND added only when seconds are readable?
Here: h=7 m=25
